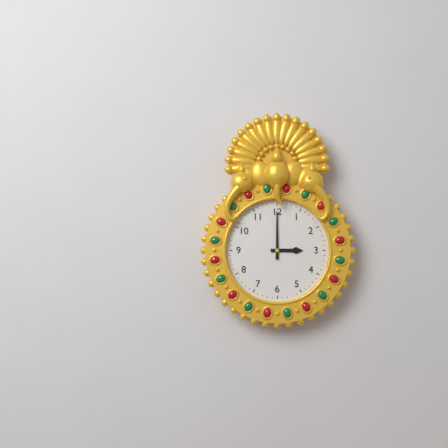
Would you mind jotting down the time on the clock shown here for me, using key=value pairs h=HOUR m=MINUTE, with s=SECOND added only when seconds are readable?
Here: h=3 m=0
